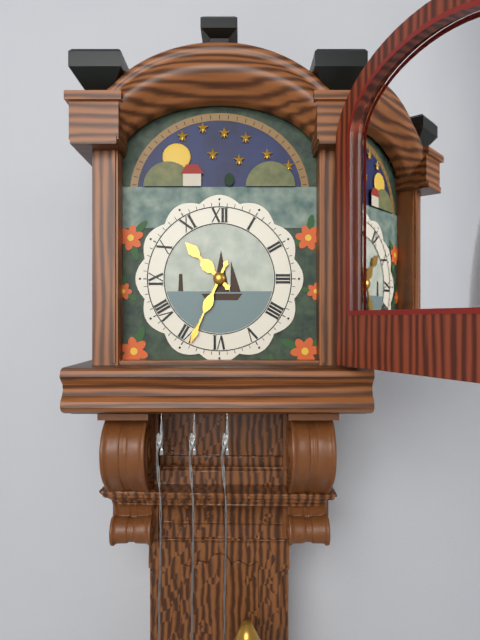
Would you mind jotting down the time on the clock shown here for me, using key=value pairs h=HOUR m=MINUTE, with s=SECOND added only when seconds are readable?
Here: h=10 m=34
